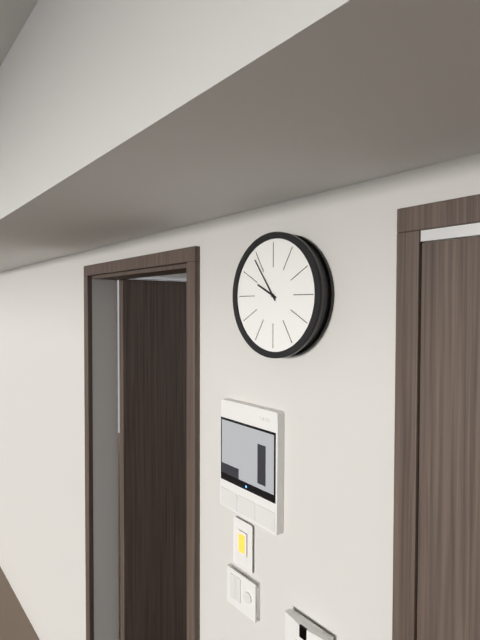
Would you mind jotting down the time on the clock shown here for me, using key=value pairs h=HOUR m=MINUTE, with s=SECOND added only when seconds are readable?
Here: h=9 m=54
